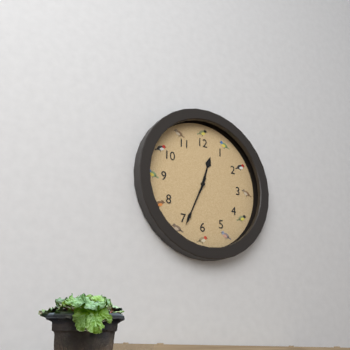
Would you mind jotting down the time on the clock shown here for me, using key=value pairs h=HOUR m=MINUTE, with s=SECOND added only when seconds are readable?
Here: h=12 m=34
